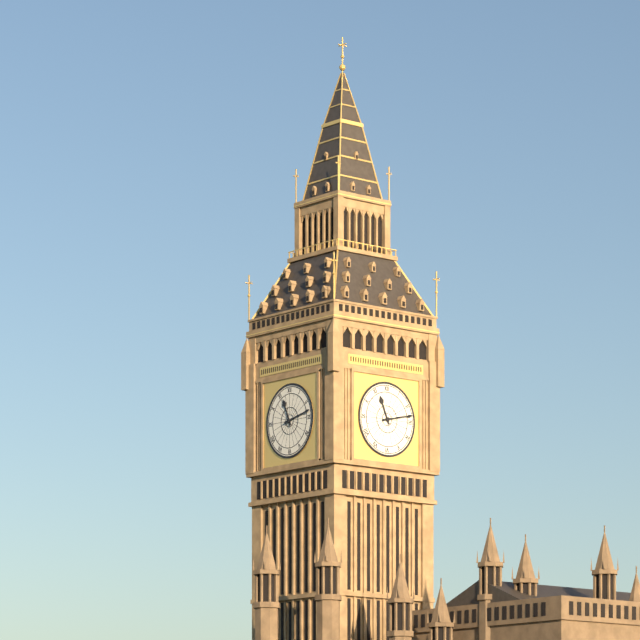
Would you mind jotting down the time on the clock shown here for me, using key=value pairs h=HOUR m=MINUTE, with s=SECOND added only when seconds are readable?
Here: h=11 m=13
